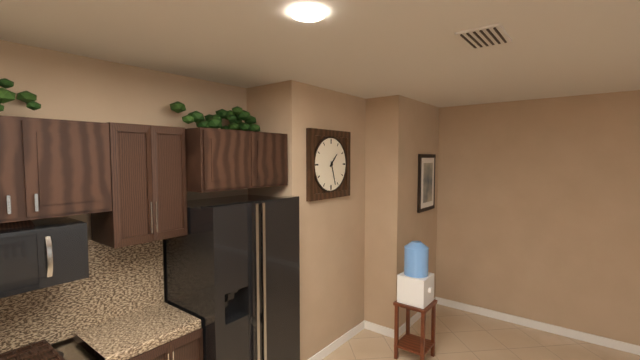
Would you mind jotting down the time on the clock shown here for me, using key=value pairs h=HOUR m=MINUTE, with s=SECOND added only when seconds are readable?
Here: h=1 m=27
